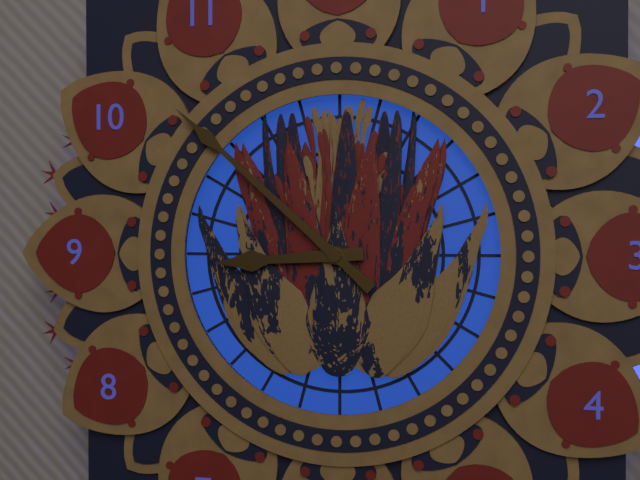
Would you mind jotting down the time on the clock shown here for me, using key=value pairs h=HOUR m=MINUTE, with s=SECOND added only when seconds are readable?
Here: h=8 m=52
